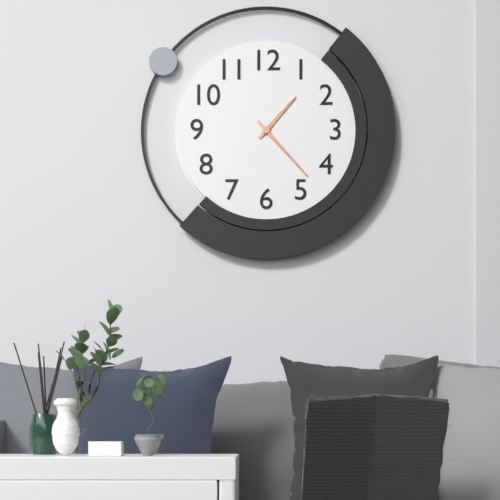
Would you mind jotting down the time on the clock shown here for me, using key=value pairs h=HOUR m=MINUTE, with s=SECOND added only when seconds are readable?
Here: h=1 m=23
